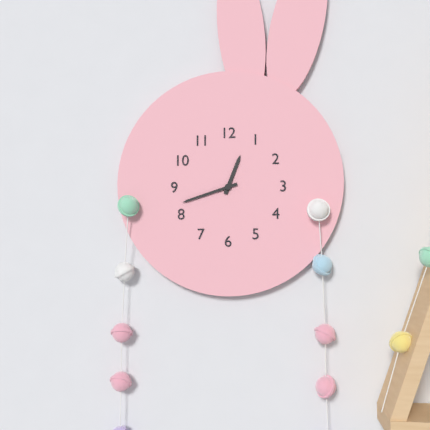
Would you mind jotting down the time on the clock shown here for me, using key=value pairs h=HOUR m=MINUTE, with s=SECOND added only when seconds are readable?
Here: h=12 m=42
